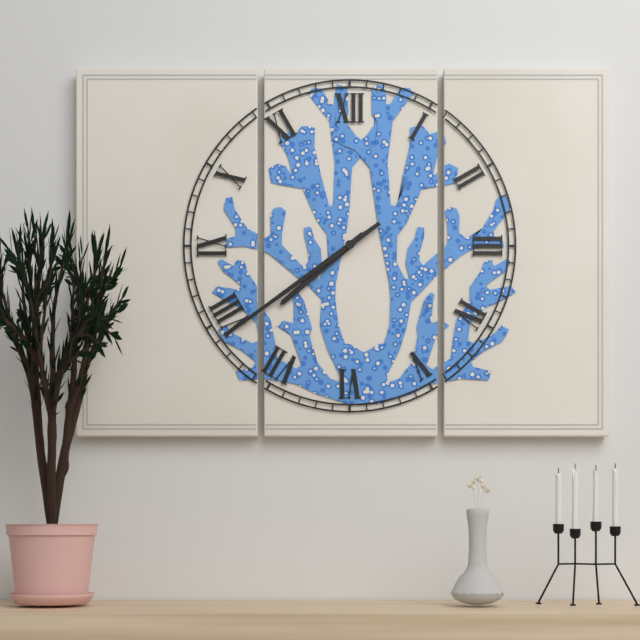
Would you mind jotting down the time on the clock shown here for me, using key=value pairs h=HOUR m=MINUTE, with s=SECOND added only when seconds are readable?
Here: h=7 m=39
